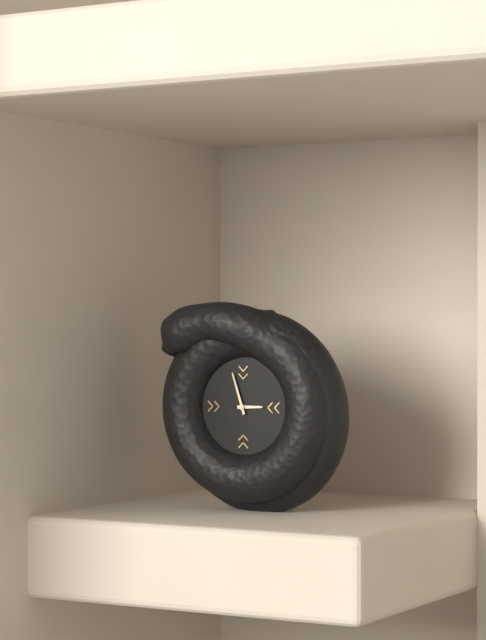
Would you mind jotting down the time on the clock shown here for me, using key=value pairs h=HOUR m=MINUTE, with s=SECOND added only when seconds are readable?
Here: h=2 m=57
